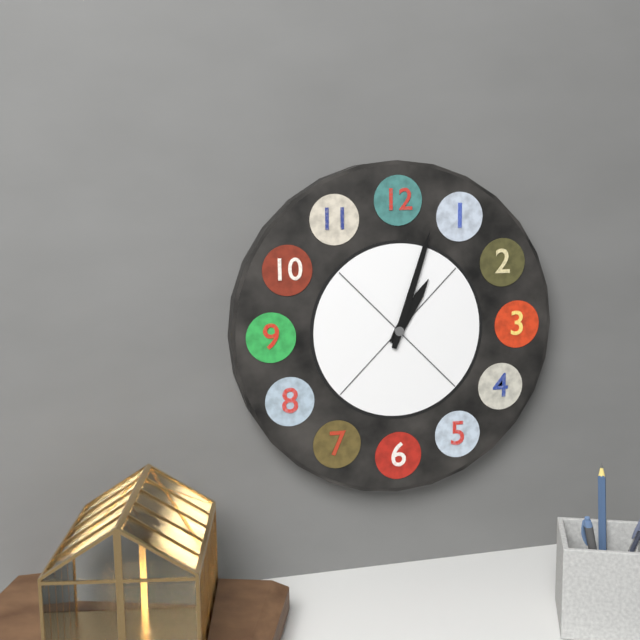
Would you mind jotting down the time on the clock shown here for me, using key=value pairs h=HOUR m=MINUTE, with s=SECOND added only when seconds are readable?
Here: h=1 m=3
